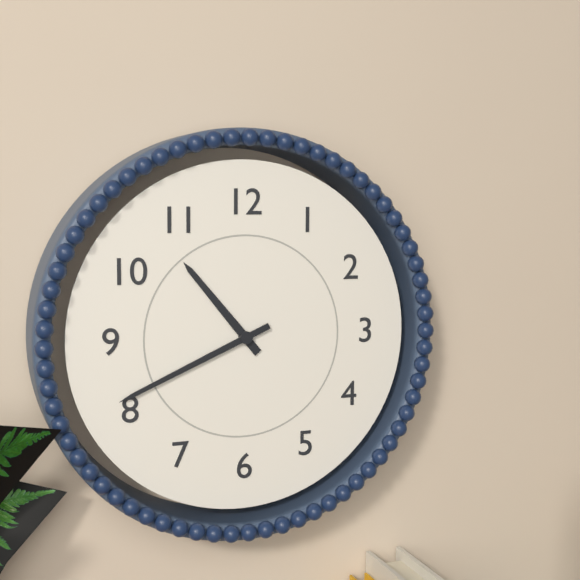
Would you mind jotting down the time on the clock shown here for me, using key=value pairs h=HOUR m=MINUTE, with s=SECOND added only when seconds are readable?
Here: h=10 m=41
